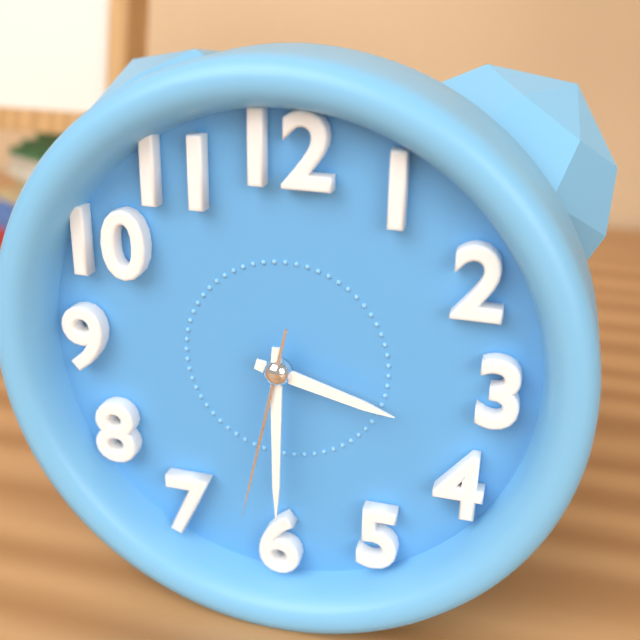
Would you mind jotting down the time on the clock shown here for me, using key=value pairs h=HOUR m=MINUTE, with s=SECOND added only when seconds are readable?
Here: h=3 m=30 s=32
